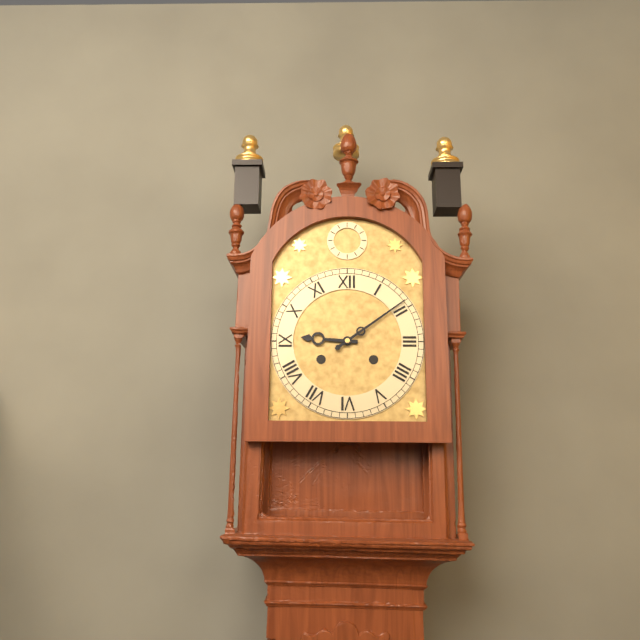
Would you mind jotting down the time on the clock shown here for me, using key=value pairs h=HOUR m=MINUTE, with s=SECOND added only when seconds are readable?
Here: h=9 m=9
